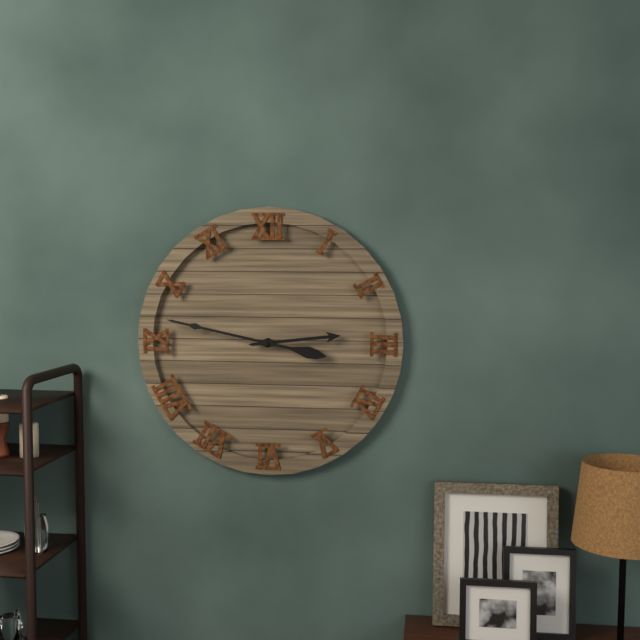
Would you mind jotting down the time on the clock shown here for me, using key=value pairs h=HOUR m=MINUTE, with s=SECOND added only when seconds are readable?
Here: h=2 m=47
